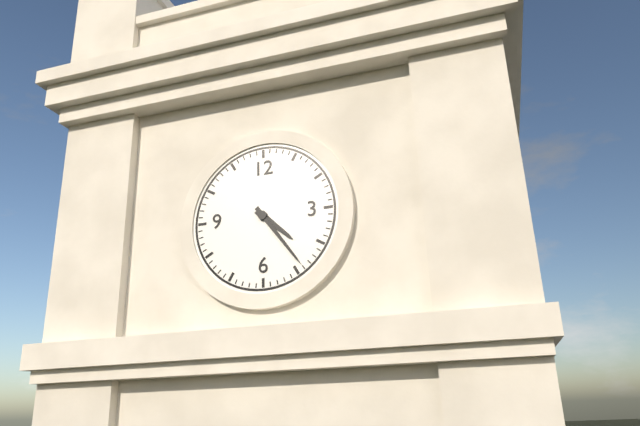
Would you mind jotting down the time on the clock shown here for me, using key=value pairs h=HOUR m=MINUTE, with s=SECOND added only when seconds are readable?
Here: h=4 m=24
